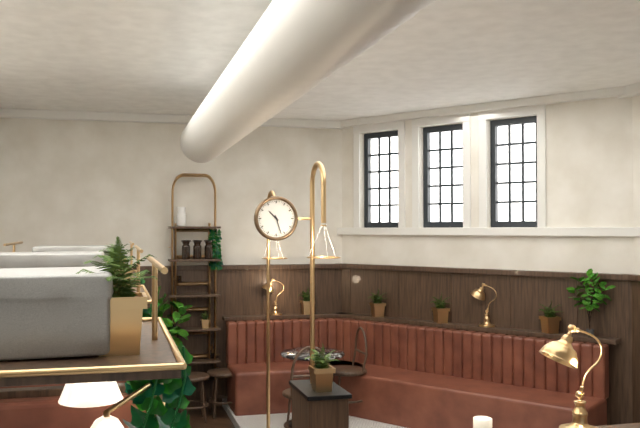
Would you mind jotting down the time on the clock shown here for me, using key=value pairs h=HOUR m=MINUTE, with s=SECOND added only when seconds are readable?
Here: h=10 m=27
